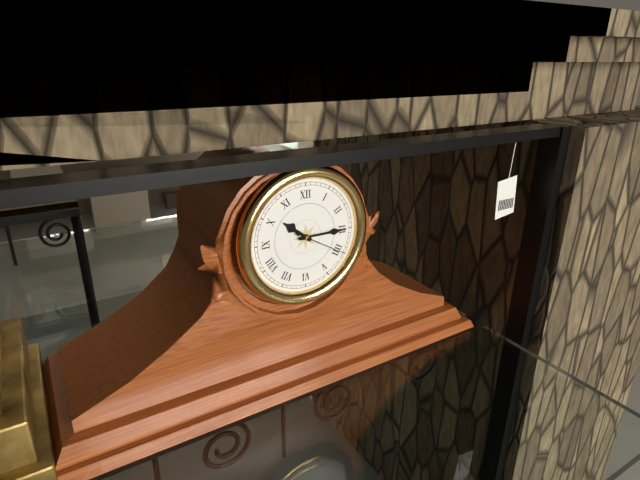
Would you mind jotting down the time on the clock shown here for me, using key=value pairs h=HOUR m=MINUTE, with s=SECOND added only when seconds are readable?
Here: h=10 m=15 s=20
